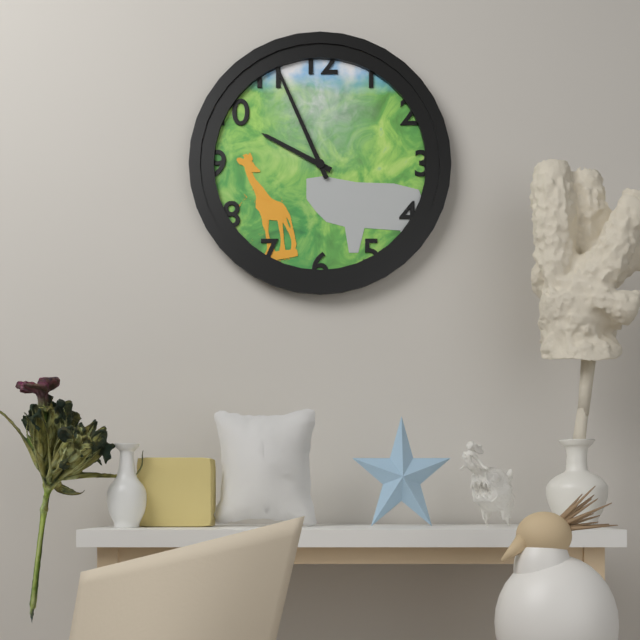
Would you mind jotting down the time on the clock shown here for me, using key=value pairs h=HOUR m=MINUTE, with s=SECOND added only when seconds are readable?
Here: h=9 m=56
